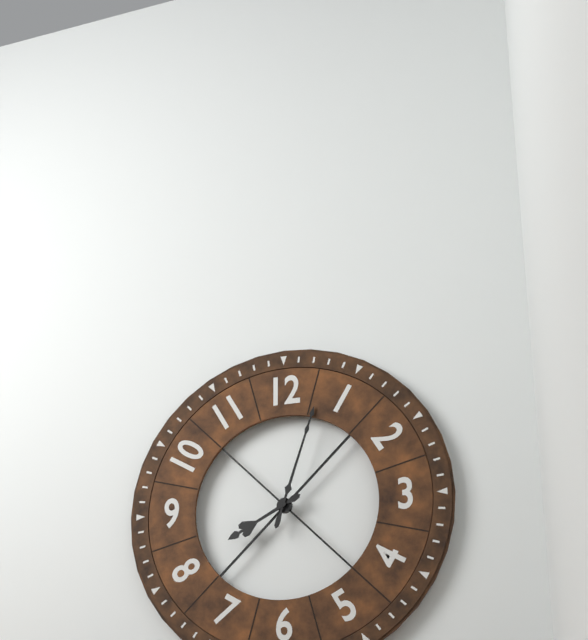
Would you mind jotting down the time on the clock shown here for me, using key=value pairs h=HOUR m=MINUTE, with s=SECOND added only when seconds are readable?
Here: h=8 m=3
